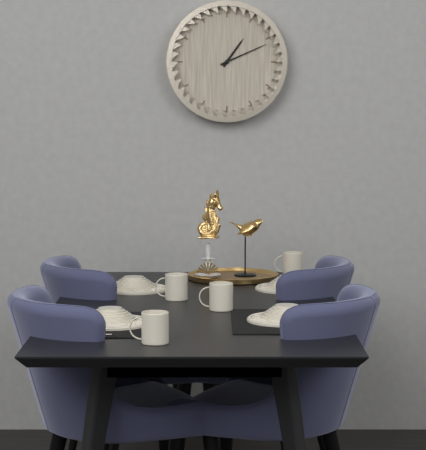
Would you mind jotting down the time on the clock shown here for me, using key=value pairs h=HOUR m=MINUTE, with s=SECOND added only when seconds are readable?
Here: h=1 m=11
